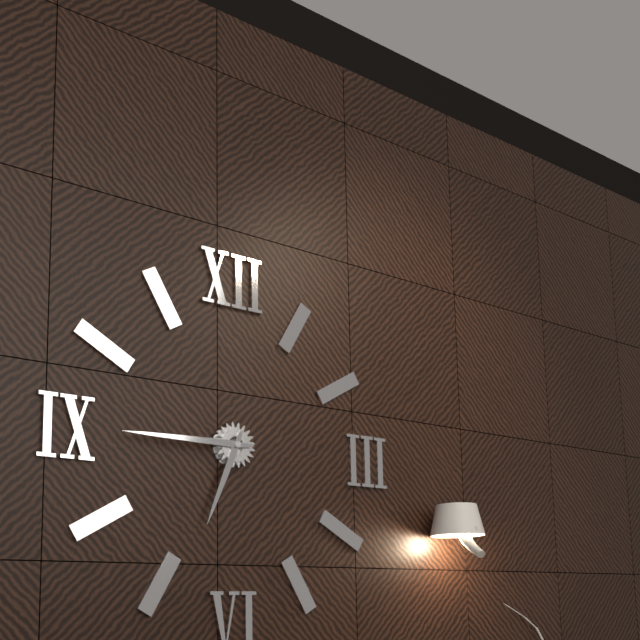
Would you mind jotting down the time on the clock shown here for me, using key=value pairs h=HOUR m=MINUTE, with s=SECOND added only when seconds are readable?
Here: h=6 m=45
